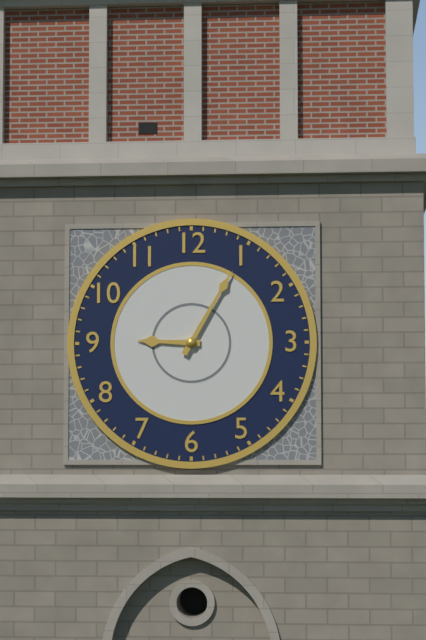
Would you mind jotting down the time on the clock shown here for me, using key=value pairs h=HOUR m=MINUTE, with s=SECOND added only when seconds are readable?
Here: h=9 m=5
